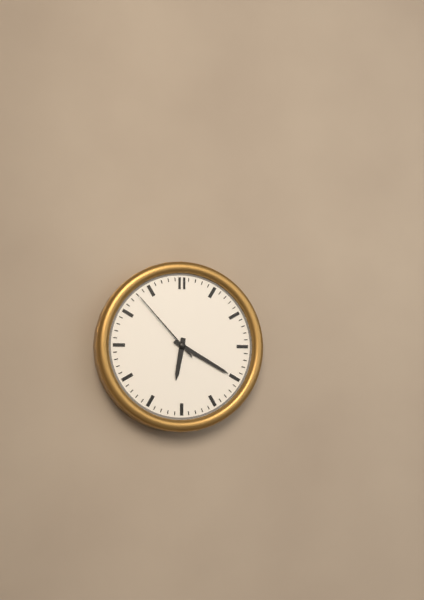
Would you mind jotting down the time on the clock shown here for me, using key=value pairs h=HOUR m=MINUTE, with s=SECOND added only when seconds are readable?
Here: h=6 m=20 s=53
